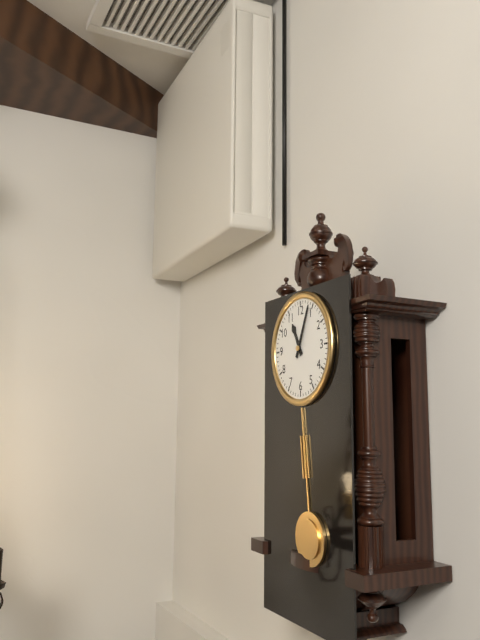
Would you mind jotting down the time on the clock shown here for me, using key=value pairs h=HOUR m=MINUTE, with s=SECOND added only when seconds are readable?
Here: h=11 m=4
